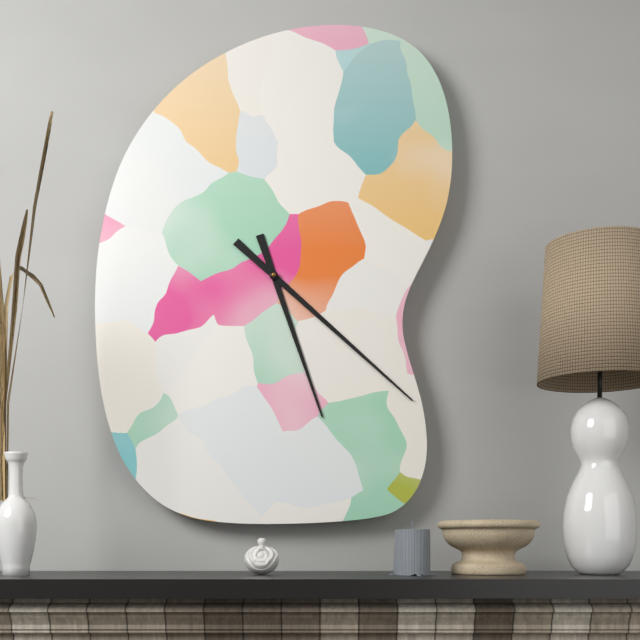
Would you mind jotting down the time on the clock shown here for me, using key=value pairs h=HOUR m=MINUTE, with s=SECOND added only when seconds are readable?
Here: h=5 m=22
